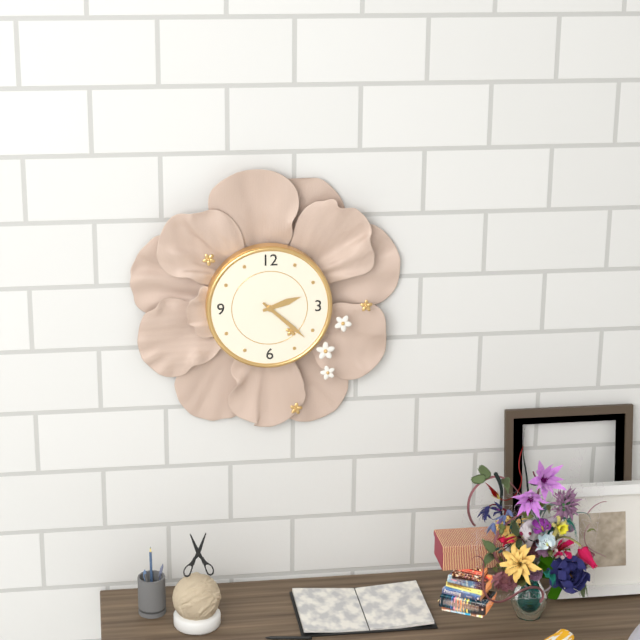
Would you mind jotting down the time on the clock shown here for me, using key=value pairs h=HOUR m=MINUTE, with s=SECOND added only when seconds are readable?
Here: h=2 m=22
